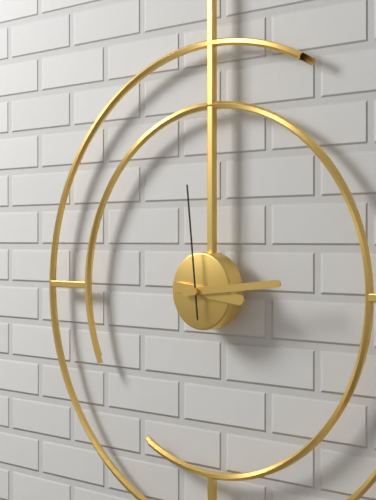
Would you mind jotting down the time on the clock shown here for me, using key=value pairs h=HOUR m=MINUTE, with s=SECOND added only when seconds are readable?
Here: h=3 m=14 s=59
